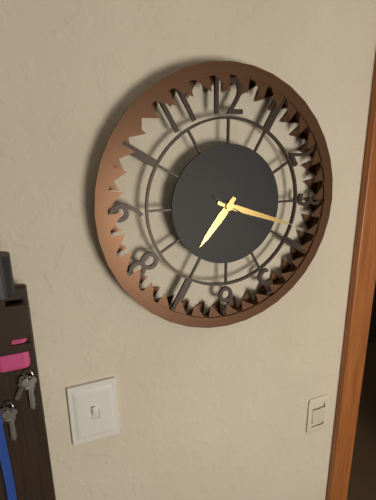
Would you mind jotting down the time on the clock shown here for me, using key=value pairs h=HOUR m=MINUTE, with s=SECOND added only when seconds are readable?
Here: h=7 m=18 s=20
